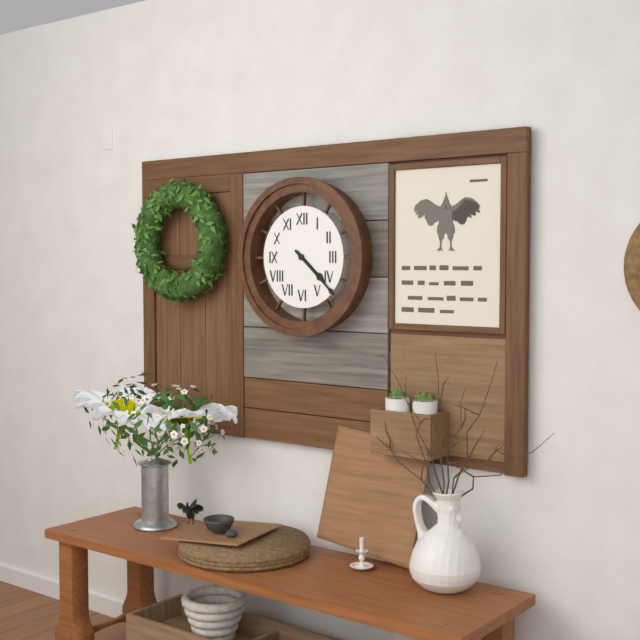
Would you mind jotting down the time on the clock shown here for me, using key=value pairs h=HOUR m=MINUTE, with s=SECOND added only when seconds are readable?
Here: h=4 m=22
